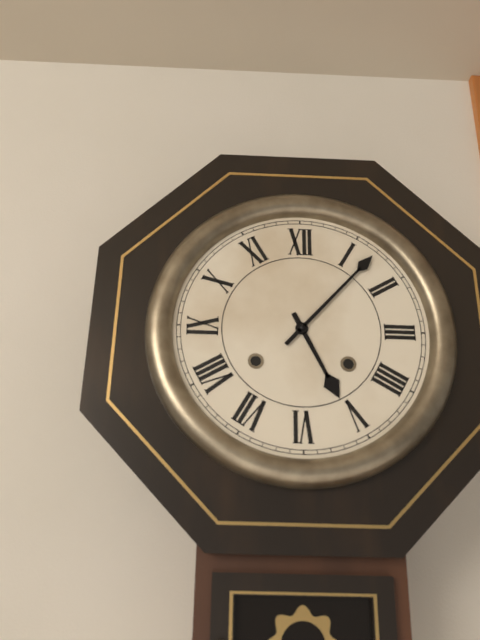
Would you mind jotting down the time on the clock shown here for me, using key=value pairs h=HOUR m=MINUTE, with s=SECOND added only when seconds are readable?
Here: h=5 m=7
